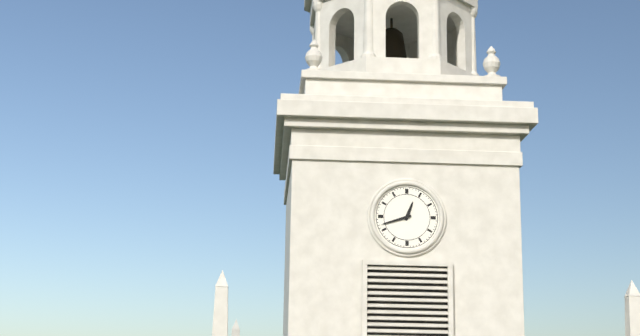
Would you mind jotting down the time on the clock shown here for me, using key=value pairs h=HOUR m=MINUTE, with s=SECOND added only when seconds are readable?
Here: h=12 m=42
